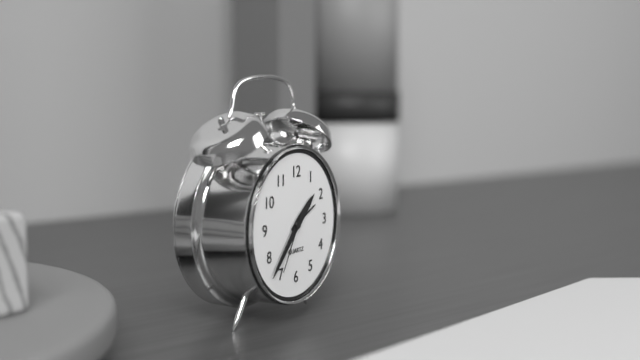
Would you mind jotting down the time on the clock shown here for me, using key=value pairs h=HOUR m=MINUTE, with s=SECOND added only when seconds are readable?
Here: h=1 m=37 s=35
